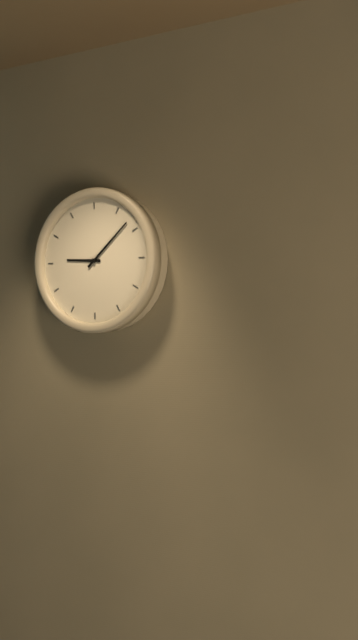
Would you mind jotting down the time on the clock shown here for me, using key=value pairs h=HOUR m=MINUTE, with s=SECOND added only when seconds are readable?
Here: h=9 m=8
